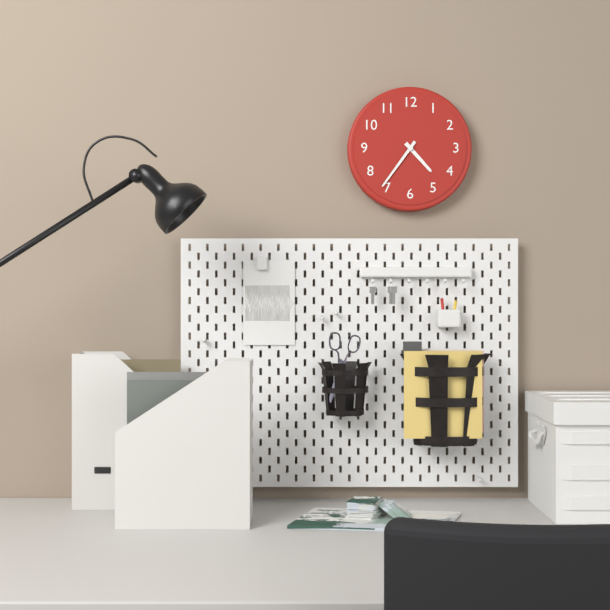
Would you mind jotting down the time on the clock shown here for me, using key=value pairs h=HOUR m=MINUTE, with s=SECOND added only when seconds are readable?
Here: h=4 m=36
